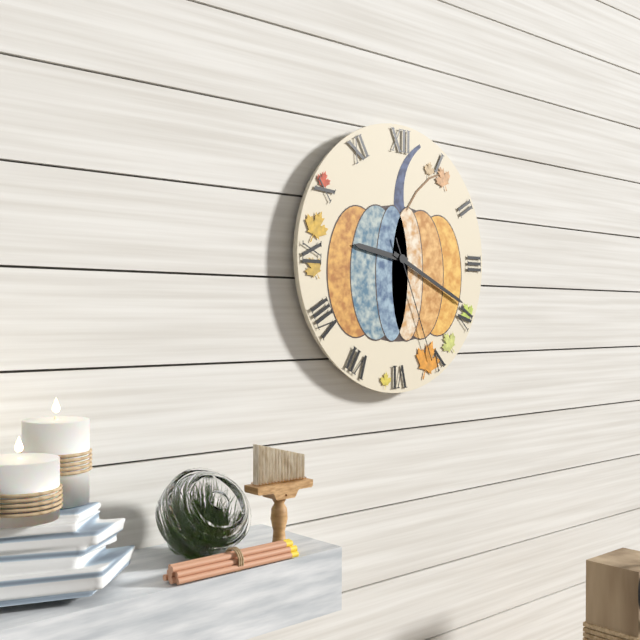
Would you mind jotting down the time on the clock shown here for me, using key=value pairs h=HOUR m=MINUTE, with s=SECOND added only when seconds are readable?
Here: h=9 m=19 s=26
